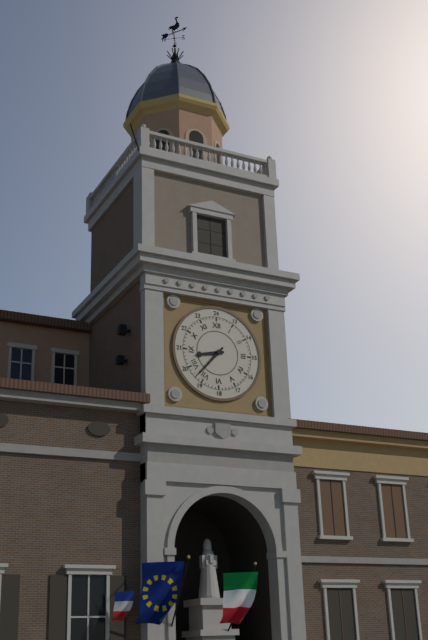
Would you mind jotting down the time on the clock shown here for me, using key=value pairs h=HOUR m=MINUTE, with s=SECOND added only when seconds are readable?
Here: h=8 m=37
